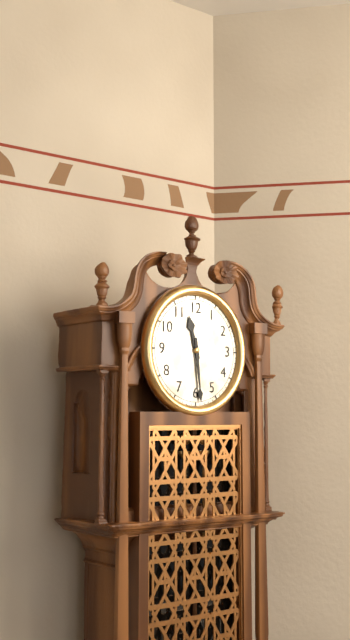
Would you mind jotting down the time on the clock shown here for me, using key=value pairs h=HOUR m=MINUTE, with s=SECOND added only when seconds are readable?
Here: h=11 m=29
